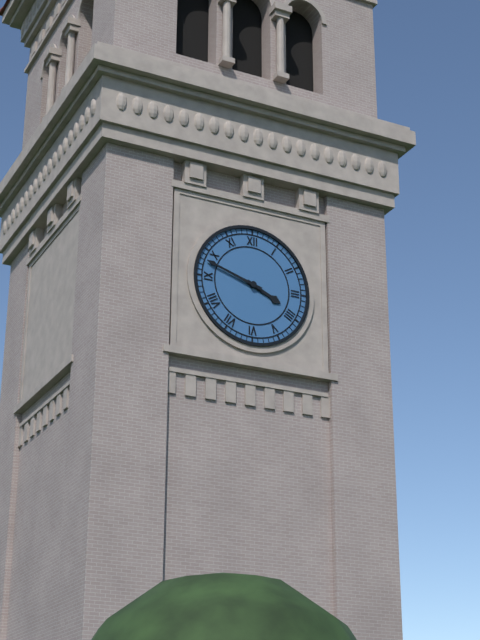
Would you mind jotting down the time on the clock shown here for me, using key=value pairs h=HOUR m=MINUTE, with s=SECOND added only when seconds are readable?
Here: h=3 m=48
